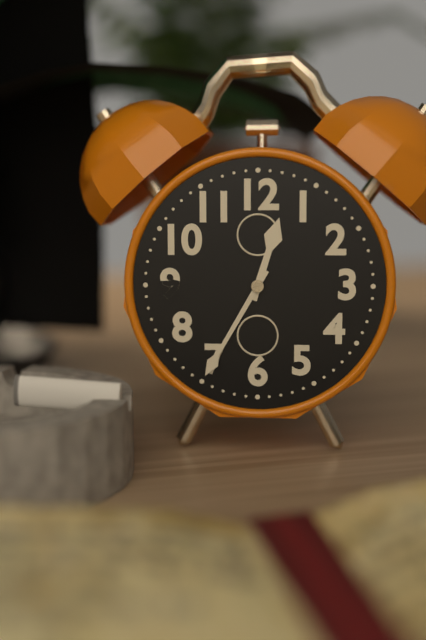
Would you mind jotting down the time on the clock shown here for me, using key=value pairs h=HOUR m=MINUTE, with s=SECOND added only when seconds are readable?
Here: h=12 m=35
